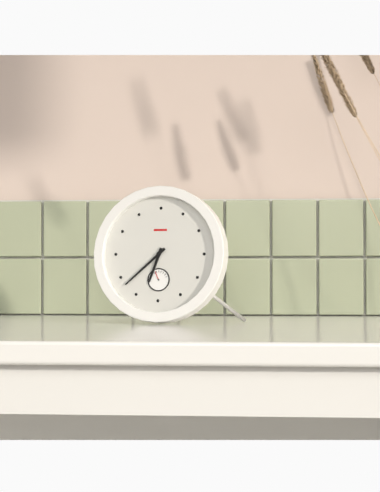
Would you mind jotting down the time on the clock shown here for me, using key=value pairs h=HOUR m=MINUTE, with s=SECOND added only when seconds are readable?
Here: h=6 m=38
